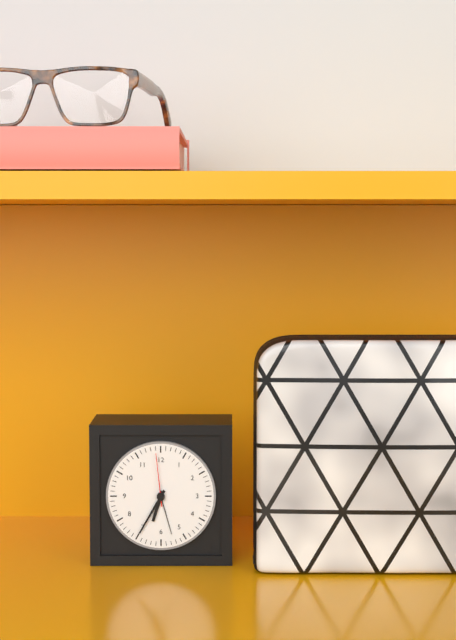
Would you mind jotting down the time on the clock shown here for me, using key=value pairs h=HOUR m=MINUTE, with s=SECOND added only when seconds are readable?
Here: h=6 m=35 s=59
